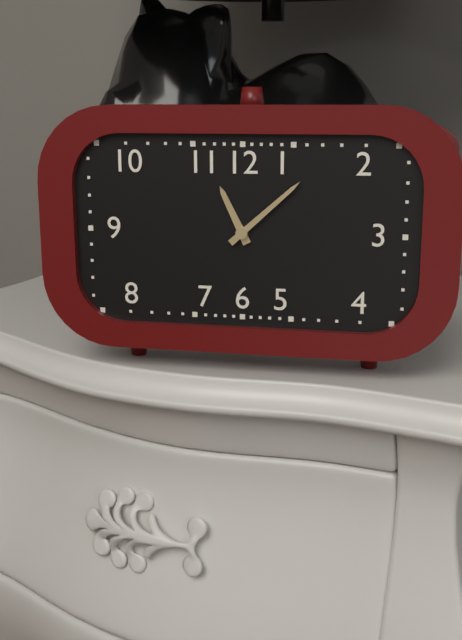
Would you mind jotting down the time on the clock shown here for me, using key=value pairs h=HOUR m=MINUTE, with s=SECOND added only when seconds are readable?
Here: h=11 m=8
